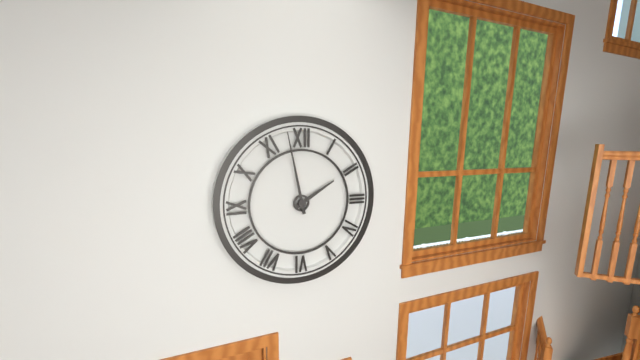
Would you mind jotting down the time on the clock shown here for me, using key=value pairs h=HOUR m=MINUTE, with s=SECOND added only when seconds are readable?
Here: h=1 m=58
